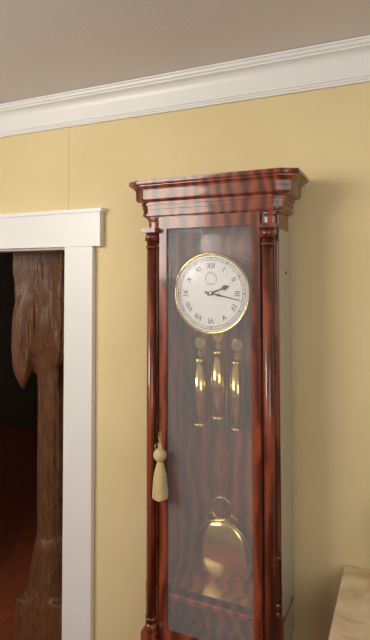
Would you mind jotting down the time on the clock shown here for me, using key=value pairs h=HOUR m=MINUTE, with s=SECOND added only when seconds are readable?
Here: h=2 m=17
